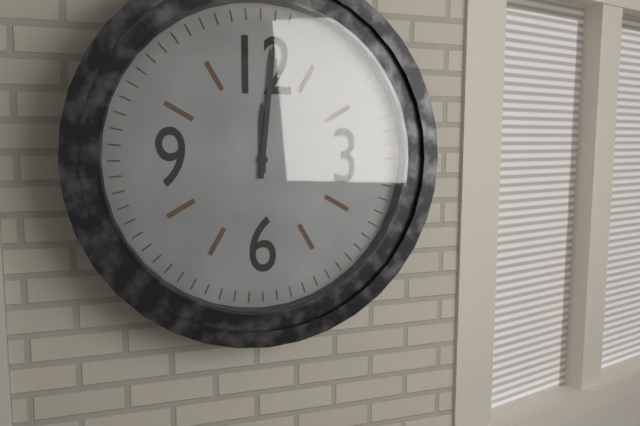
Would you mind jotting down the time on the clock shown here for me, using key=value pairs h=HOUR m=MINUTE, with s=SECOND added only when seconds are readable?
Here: h=12 m=1
